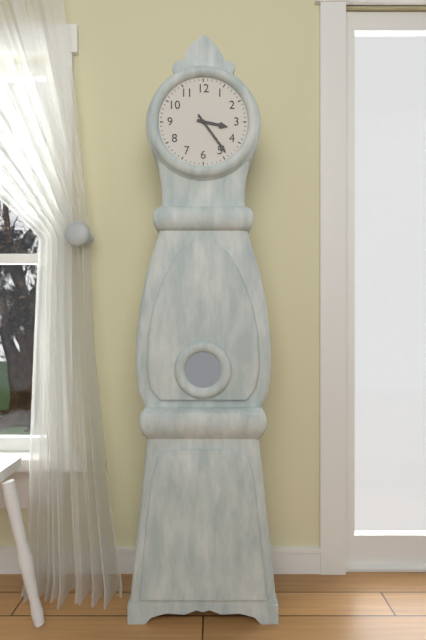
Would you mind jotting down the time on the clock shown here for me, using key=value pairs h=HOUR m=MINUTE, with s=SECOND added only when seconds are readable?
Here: h=3 m=24
